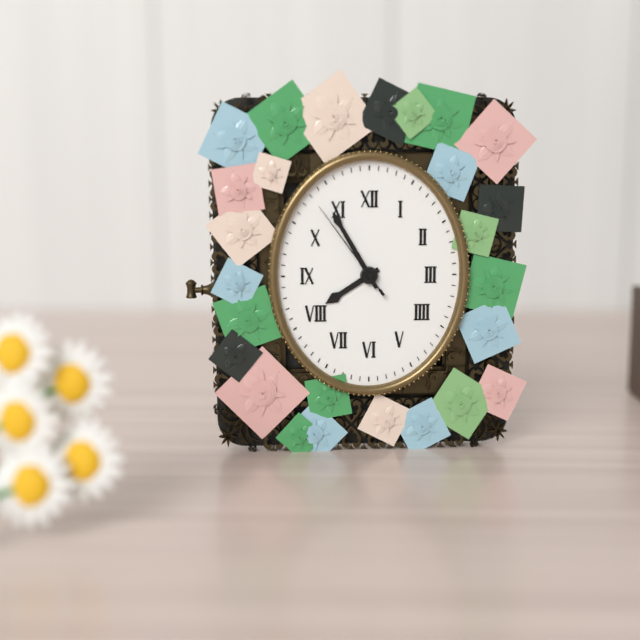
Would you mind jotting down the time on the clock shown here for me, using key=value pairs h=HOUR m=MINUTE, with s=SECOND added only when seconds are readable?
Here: h=7 m=55 s=54
